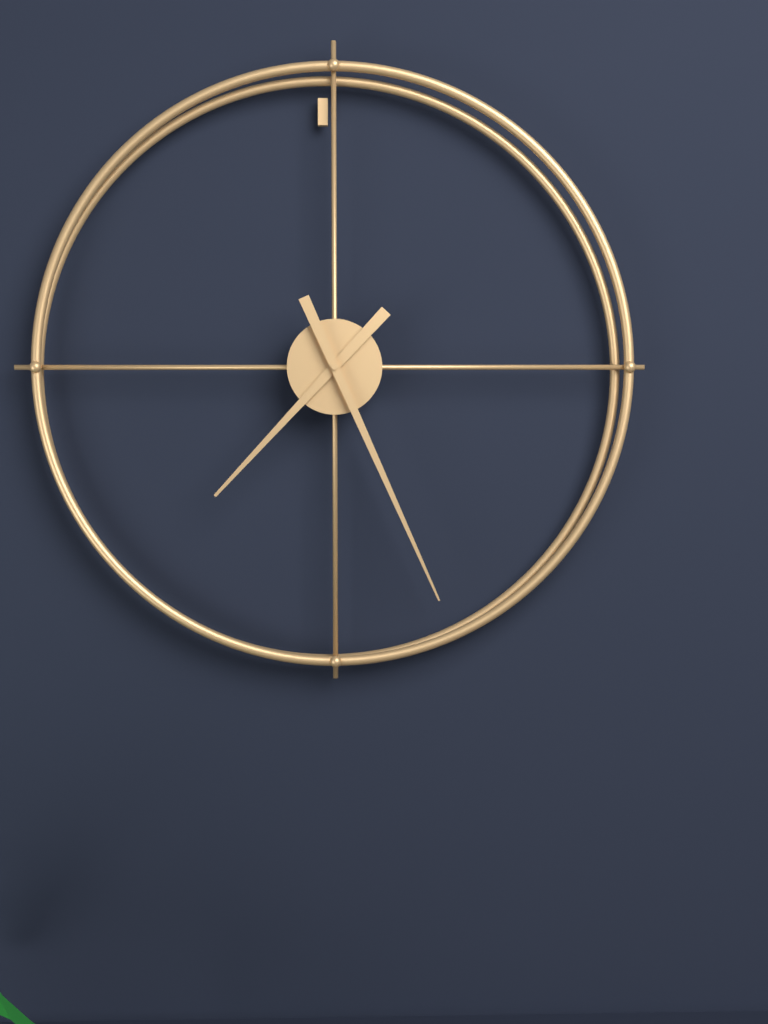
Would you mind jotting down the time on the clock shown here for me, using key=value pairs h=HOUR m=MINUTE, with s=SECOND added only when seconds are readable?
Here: h=7 m=26
